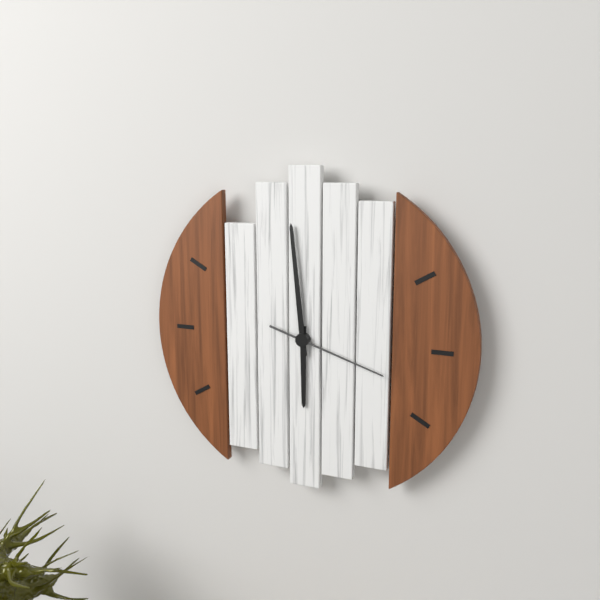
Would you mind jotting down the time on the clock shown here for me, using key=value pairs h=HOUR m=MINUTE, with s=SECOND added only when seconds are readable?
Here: h=5 m=59 s=18
